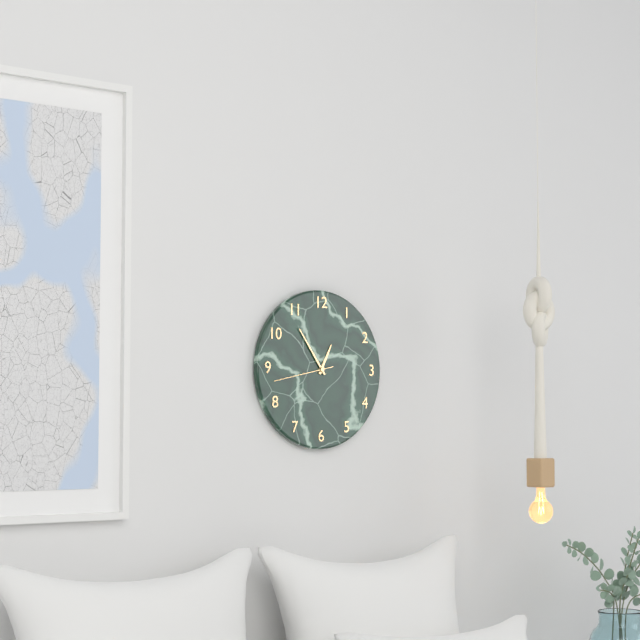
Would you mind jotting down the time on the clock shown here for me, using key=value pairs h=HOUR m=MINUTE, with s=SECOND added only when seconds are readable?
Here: h=12 m=54 s=43
